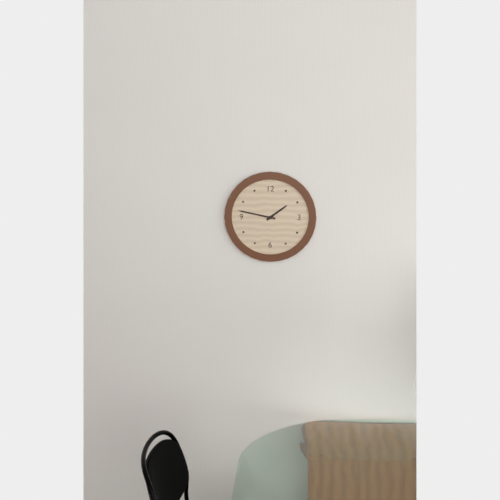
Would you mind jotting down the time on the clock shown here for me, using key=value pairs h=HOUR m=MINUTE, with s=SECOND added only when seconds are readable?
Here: h=1 m=47
